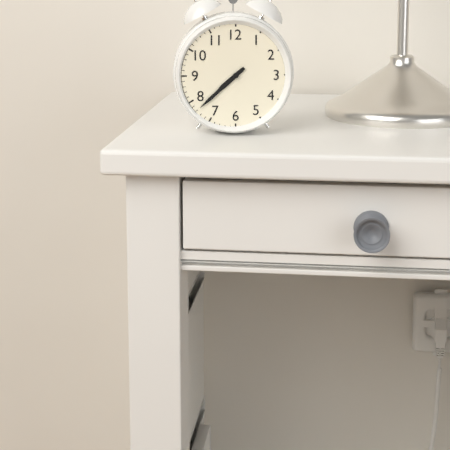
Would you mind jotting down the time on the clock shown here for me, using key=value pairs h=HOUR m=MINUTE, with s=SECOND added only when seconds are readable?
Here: h=7 m=38
